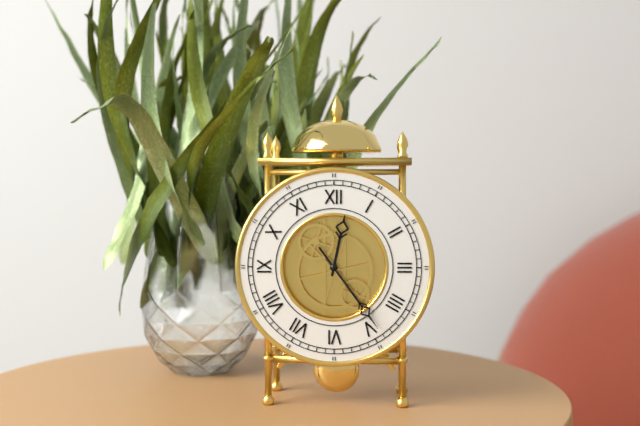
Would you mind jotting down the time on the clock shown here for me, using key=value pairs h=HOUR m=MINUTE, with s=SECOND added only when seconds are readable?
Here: h=12 m=24
